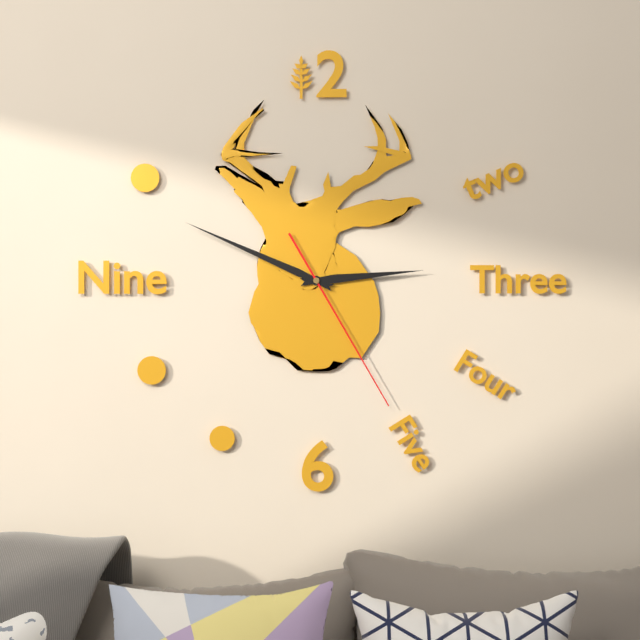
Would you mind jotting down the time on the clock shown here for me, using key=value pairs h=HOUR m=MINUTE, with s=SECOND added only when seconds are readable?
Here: h=2 m=49 s=25
